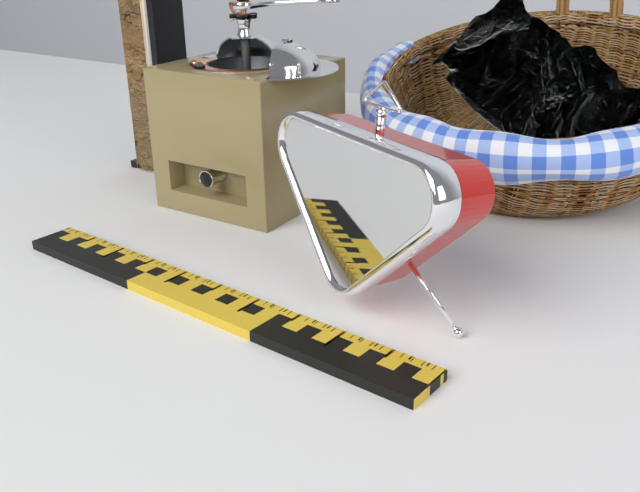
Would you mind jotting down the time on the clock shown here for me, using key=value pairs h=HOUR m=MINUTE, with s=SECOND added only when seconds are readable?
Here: h=12 m=48 s=14
